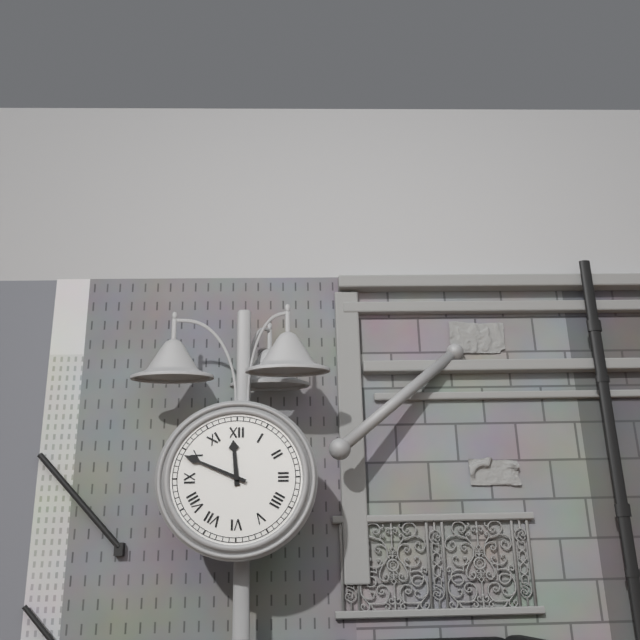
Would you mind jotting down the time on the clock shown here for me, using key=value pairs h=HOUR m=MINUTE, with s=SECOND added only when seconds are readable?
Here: h=11 m=49
